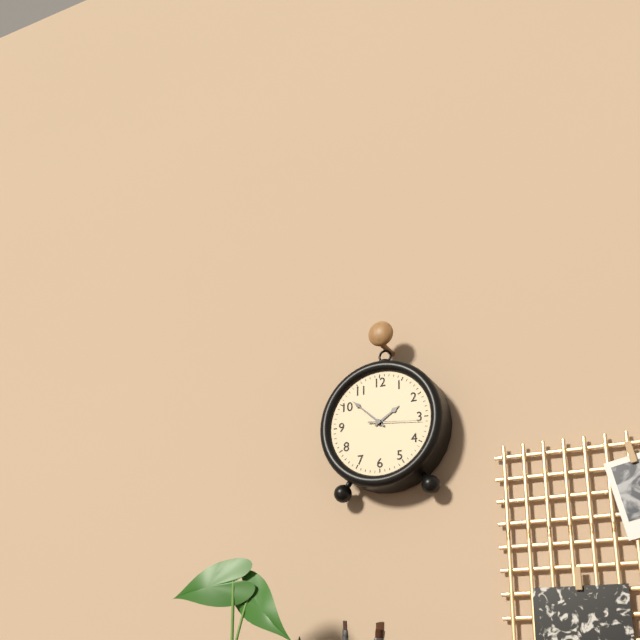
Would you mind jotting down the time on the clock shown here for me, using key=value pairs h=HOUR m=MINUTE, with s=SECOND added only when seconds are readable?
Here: h=1 m=52 s=16
